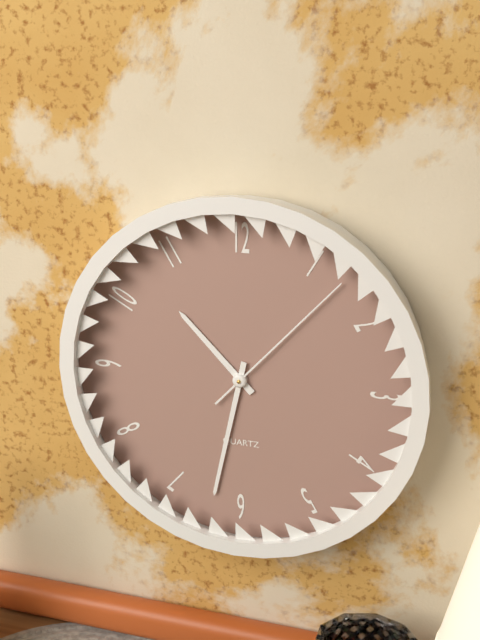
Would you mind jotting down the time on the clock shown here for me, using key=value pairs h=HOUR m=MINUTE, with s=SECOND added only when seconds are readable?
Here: h=10 m=32 s=7
